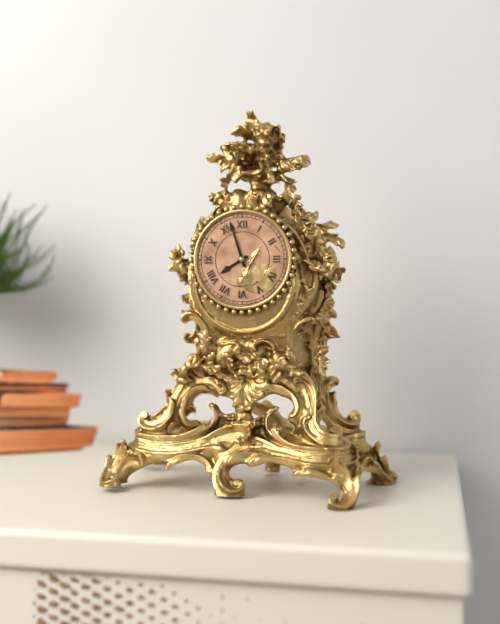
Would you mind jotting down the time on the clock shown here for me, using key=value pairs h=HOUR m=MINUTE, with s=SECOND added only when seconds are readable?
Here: h=7 m=57
